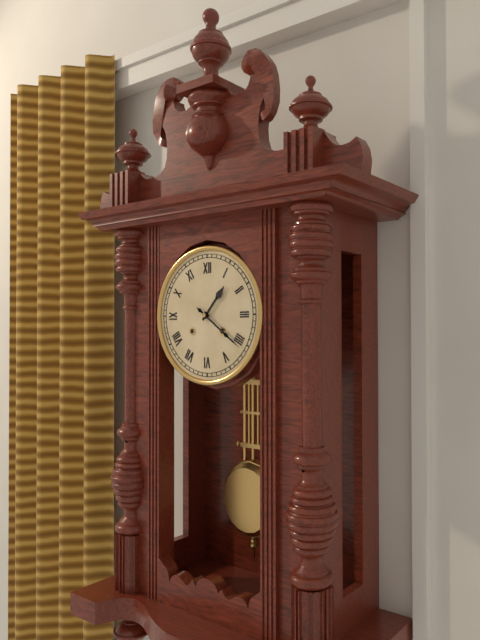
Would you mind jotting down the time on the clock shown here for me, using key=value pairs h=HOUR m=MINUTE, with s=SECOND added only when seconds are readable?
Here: h=1 m=21
